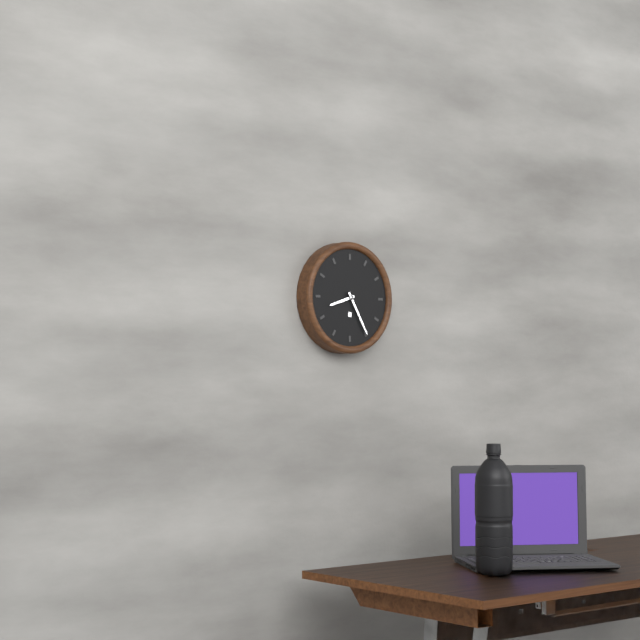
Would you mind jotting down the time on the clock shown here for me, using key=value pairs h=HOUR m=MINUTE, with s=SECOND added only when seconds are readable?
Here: h=8 m=25
